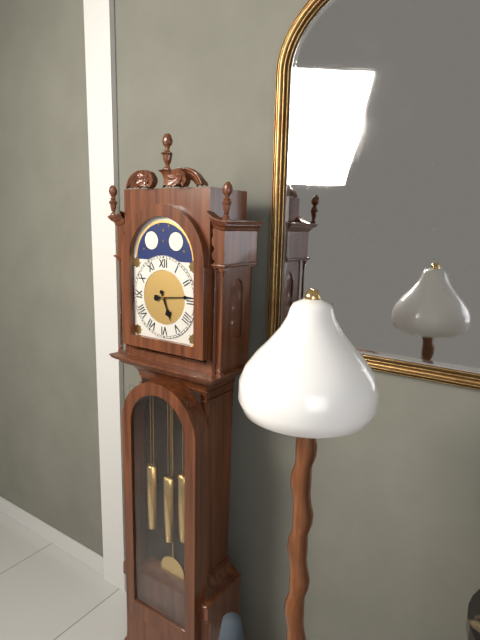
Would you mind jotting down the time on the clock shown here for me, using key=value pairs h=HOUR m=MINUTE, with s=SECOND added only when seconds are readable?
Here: h=5 m=14
